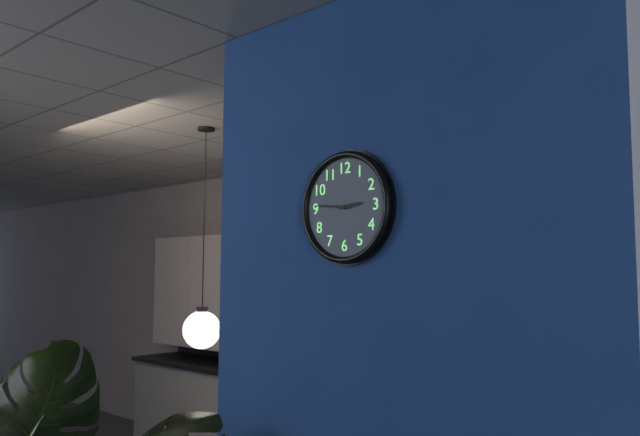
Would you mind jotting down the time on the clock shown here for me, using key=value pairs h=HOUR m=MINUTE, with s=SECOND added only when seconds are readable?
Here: h=2 m=46
